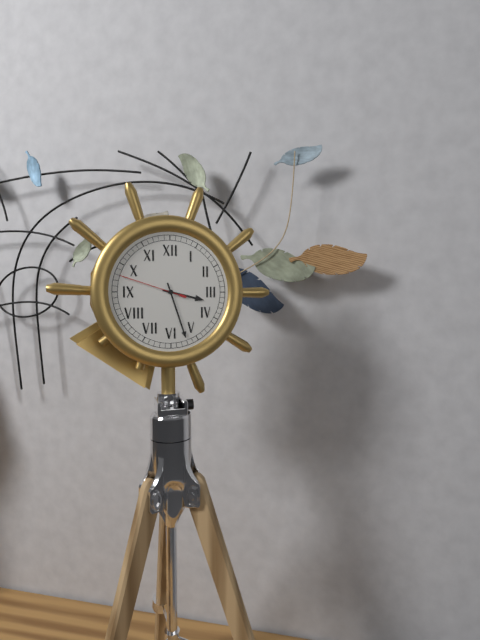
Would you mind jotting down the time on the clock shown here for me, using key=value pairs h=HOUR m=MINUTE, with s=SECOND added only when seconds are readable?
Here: h=3 m=27 s=48
